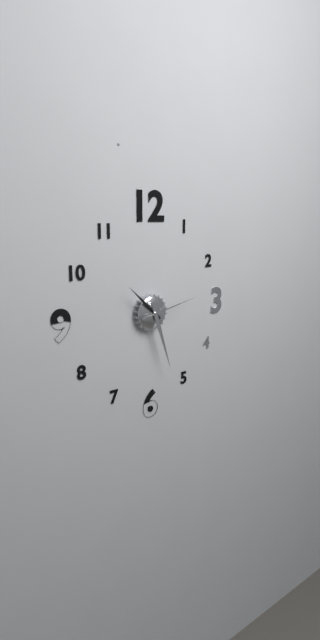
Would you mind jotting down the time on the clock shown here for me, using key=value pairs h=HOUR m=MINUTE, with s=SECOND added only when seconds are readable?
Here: h=10 m=27 s=13
